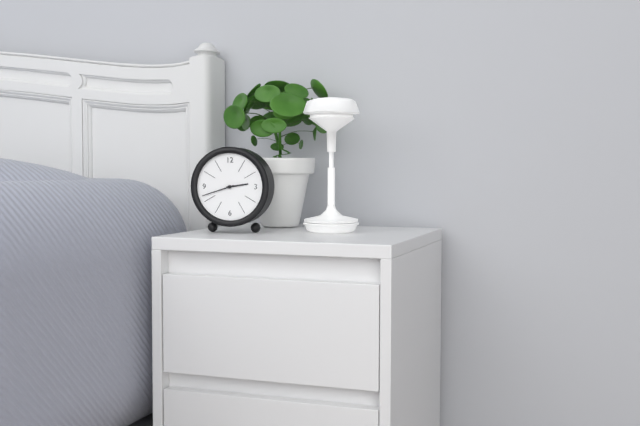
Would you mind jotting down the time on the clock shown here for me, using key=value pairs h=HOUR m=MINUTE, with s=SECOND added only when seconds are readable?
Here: h=2 m=42
